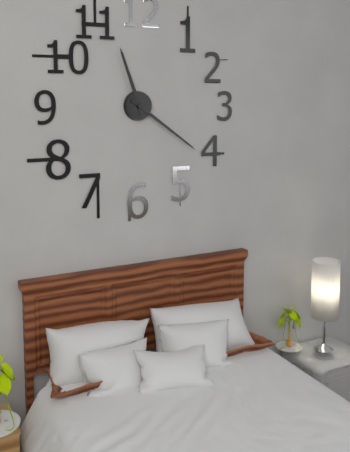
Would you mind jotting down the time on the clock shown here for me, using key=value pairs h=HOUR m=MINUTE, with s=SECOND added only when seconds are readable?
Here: h=11 m=21
